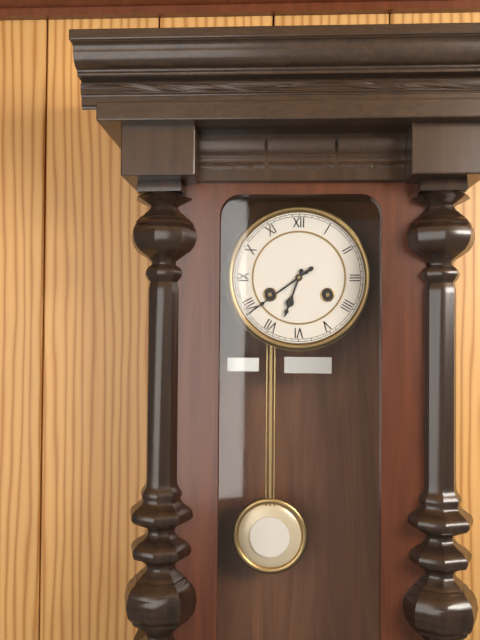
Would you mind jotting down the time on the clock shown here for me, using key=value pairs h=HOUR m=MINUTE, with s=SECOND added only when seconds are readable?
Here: h=6 m=39
